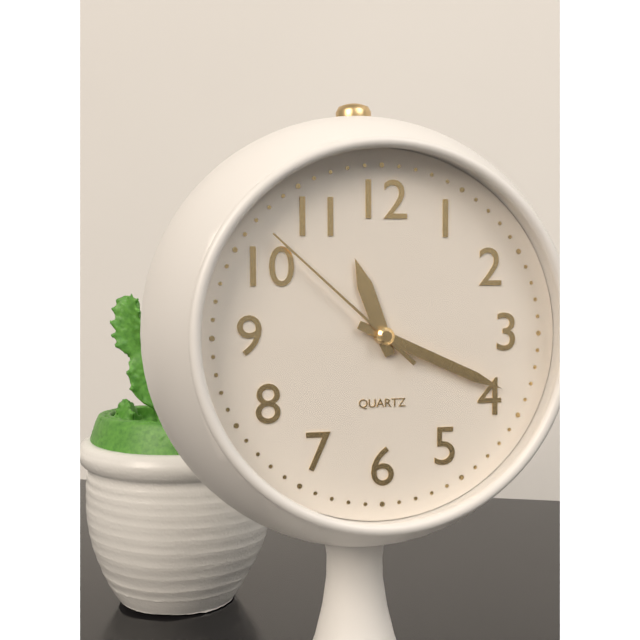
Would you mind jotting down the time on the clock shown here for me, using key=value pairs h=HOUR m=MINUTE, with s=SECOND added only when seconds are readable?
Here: h=11 m=19 s=52
